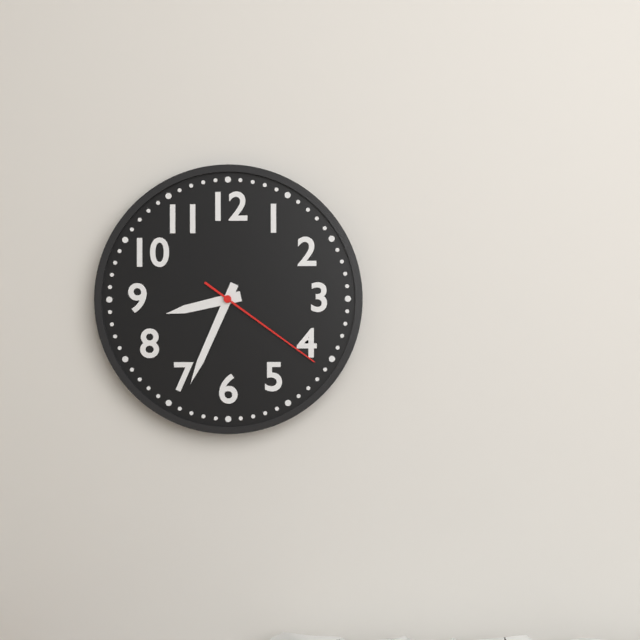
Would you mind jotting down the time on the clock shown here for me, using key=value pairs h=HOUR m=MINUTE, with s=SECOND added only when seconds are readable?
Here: h=8 m=34 s=21
